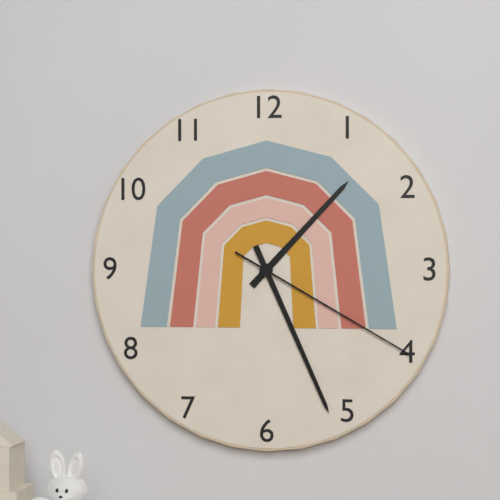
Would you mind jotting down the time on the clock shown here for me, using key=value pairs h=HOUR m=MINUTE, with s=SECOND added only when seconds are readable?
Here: h=1 m=26 s=20
